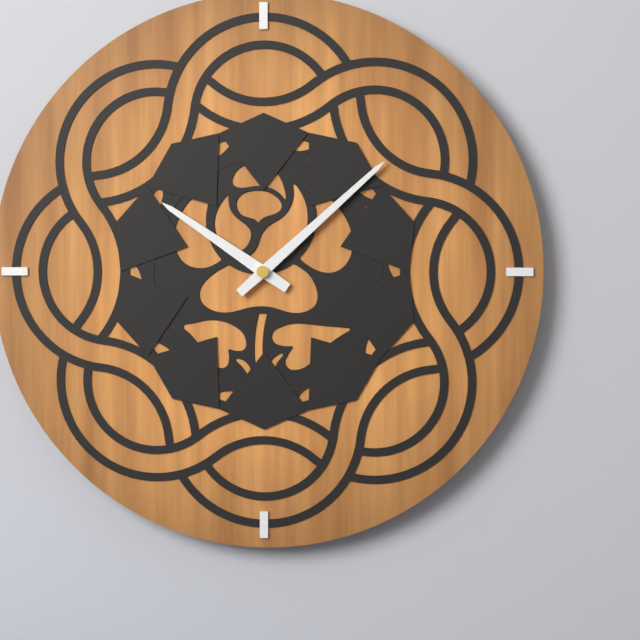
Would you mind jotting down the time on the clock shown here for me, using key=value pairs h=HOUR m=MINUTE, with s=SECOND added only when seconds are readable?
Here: h=10 m=8
